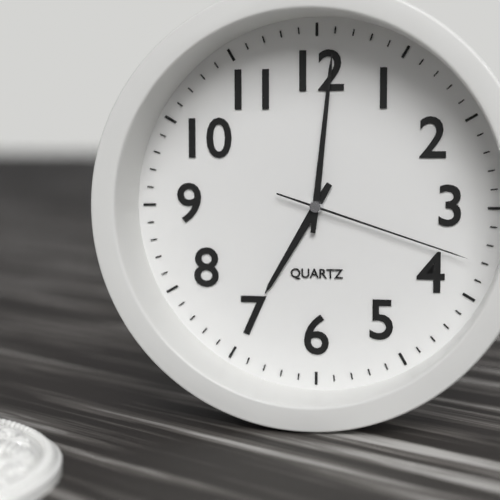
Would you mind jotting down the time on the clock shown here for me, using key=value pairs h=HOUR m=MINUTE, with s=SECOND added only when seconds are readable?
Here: h=7 m=1 s=18
